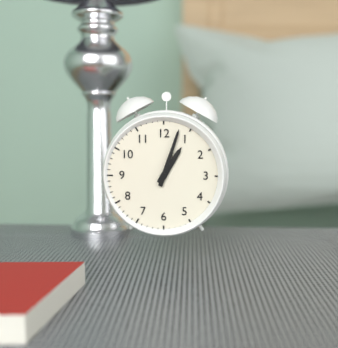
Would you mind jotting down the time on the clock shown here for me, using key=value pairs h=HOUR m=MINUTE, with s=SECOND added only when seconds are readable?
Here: h=1 m=3
